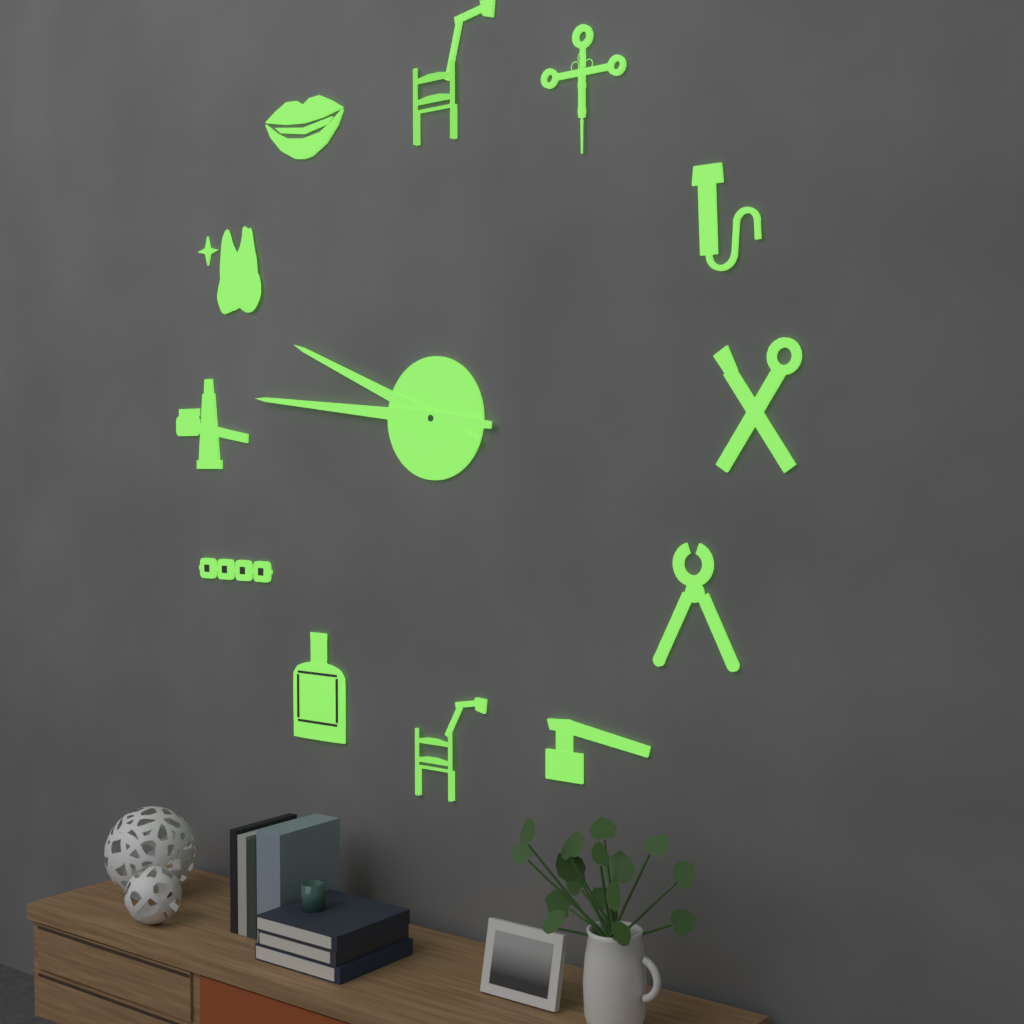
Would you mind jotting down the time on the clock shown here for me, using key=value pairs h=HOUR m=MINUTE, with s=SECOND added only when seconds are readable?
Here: h=9 m=46
